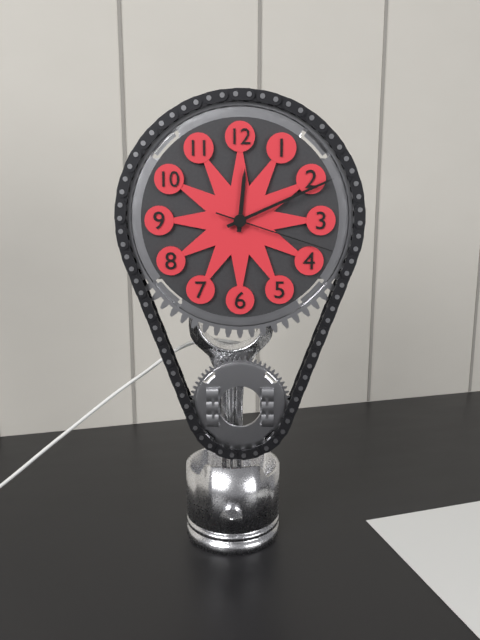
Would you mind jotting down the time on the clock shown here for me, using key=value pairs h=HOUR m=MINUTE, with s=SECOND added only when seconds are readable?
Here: h=12 m=11 s=18
